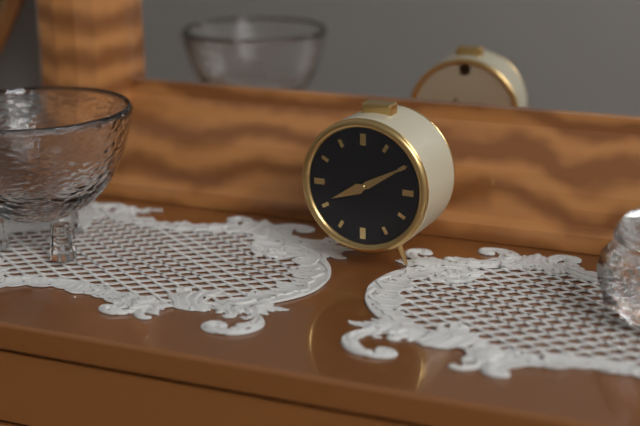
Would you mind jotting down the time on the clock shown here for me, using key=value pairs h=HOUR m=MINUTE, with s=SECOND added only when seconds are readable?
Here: h=8 m=10
